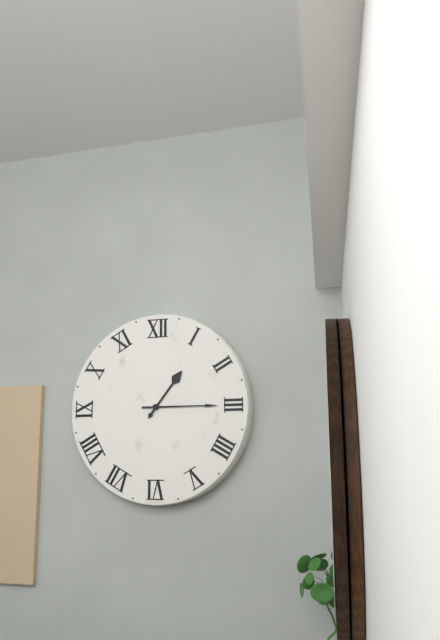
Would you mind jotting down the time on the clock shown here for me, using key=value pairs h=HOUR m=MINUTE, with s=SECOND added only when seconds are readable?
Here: h=1 m=15
